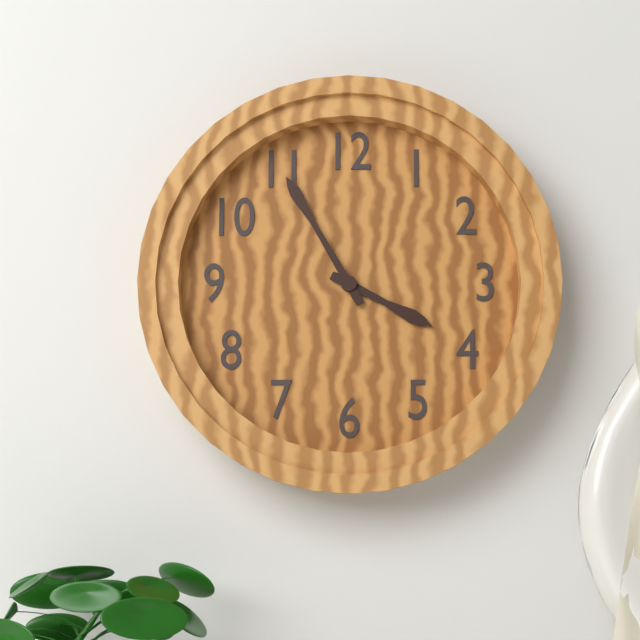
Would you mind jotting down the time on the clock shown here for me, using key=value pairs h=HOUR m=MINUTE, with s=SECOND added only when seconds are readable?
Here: h=3 m=55
